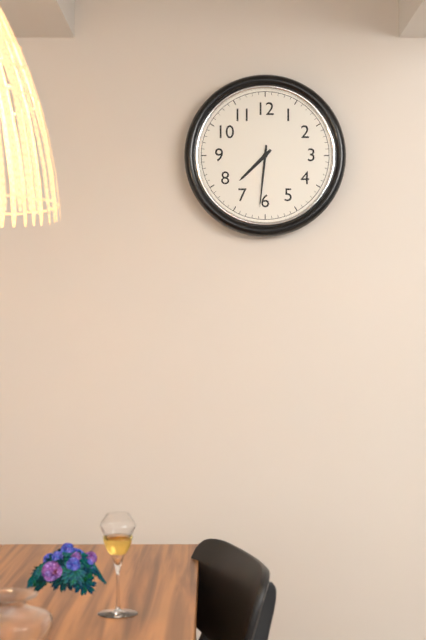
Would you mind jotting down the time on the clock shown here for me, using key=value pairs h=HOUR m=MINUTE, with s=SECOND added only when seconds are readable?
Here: h=7 m=31
